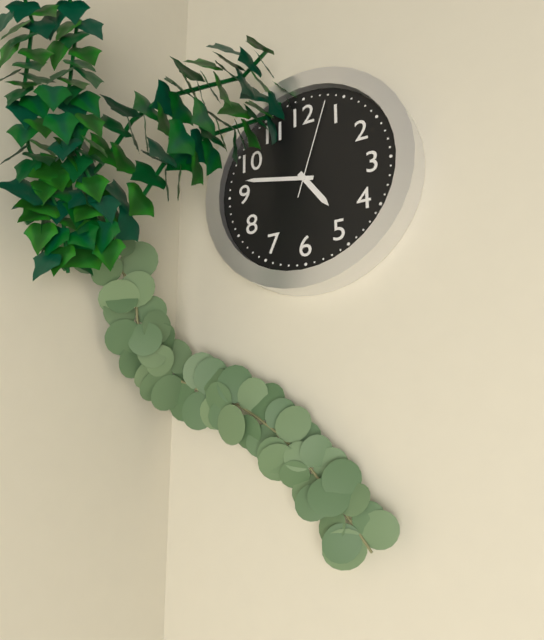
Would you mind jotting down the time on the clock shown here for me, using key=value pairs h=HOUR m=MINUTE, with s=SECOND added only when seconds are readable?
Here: h=4 m=47 s=3
